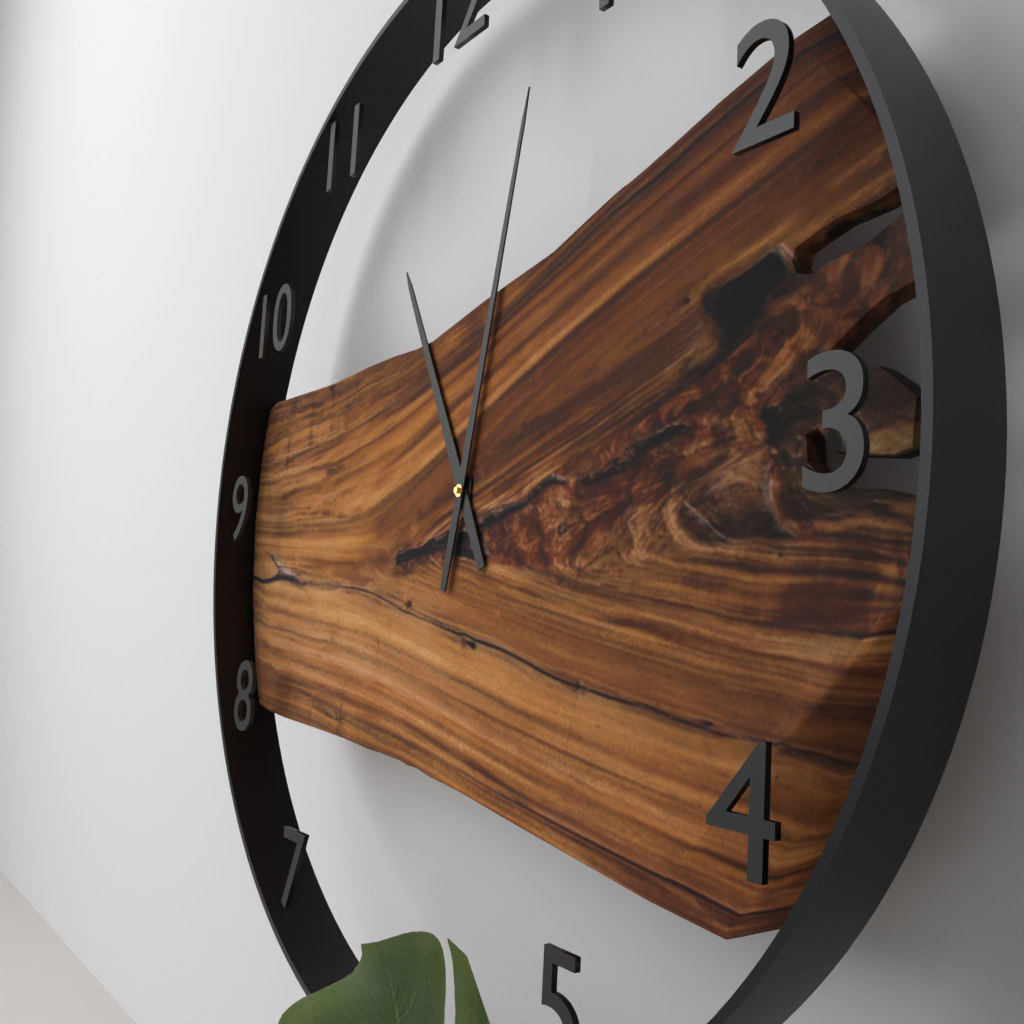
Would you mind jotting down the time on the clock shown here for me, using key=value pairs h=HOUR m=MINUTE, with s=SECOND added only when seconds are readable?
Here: h=11 m=2
